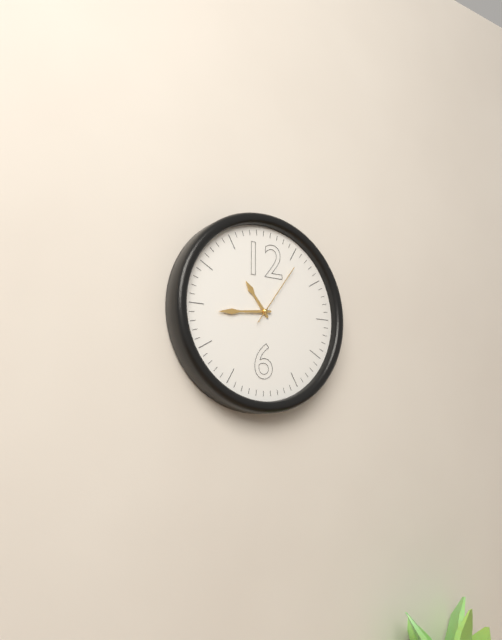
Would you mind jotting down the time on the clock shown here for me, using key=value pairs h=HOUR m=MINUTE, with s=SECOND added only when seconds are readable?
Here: h=10 m=44 s=6
